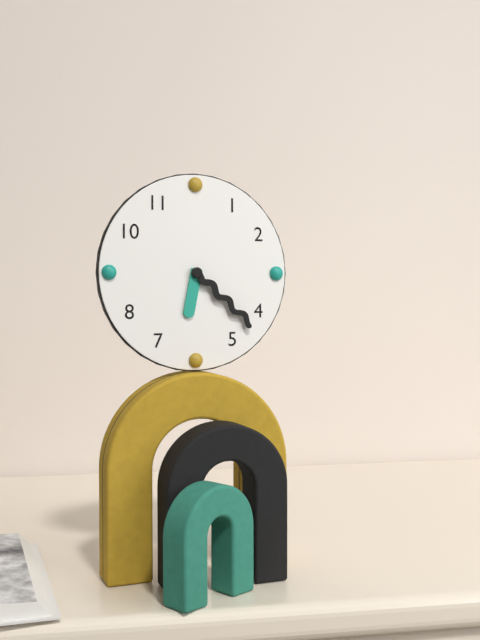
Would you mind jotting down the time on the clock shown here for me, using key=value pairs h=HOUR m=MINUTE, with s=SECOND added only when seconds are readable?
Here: h=6 m=22
